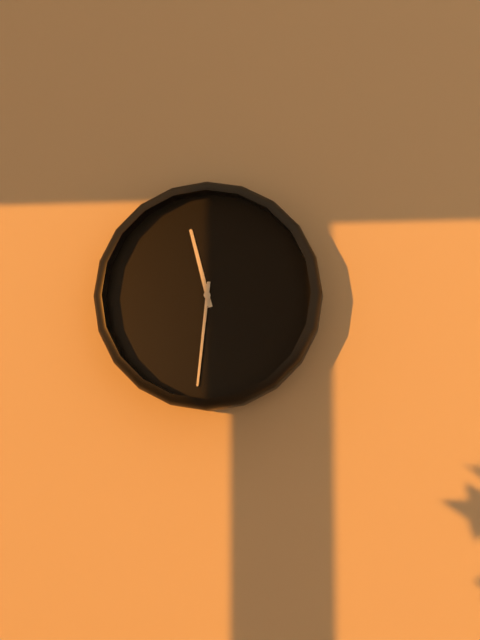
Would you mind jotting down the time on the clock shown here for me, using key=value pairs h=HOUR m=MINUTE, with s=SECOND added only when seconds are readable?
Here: h=11 m=31
